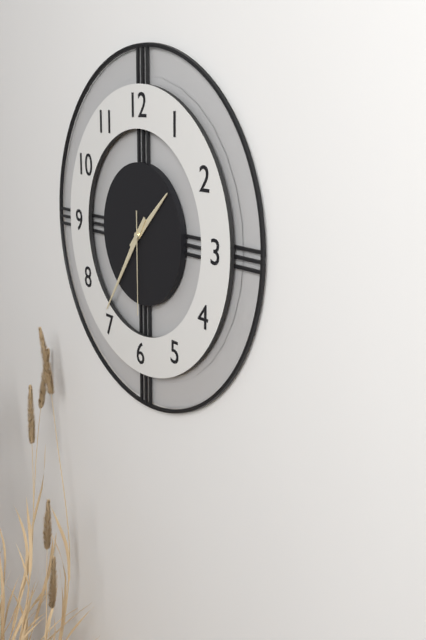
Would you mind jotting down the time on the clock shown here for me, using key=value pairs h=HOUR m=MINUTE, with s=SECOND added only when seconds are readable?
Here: h=1 m=36 s=30
